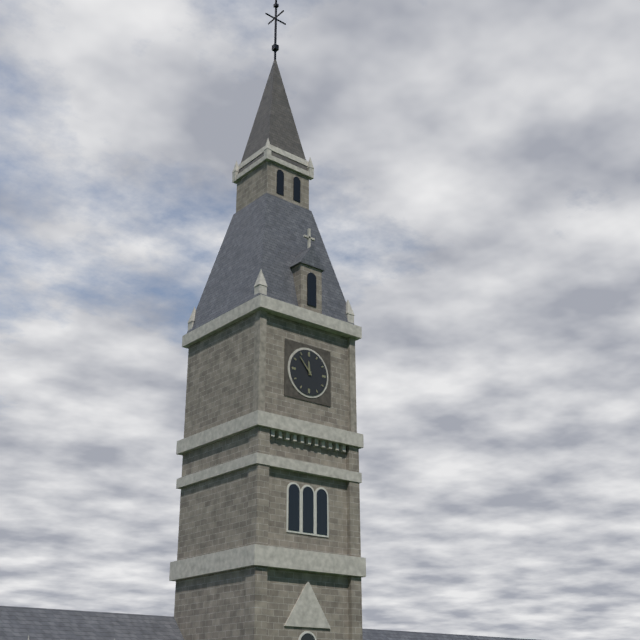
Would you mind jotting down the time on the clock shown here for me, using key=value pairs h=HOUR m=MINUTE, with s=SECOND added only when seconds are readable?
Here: h=11 m=53
